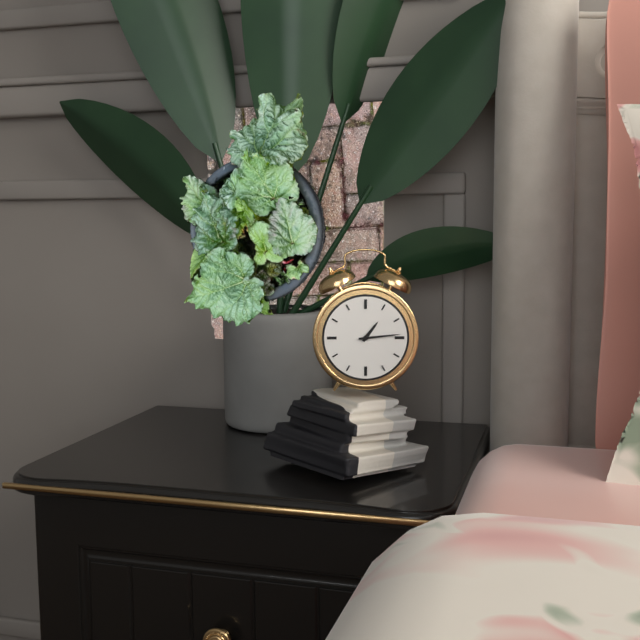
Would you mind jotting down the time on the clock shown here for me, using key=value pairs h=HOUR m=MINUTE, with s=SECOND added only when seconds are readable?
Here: h=1 m=14
